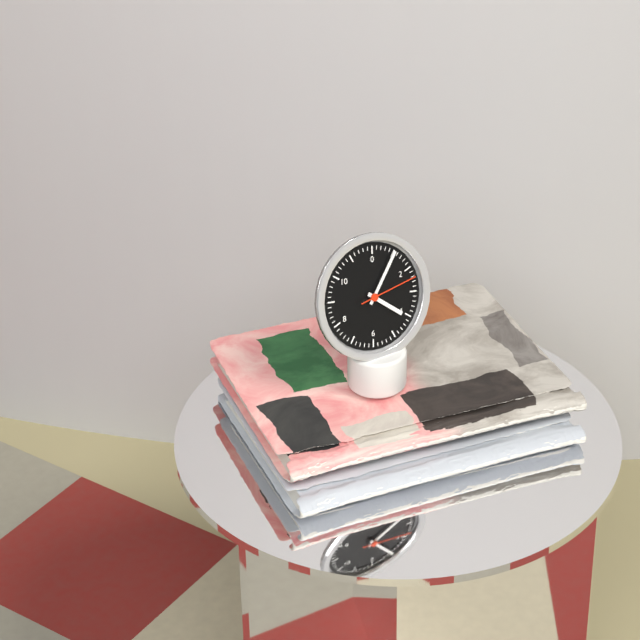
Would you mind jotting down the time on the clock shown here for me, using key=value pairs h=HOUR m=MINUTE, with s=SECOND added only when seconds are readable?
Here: h=4 m=5 s=12
